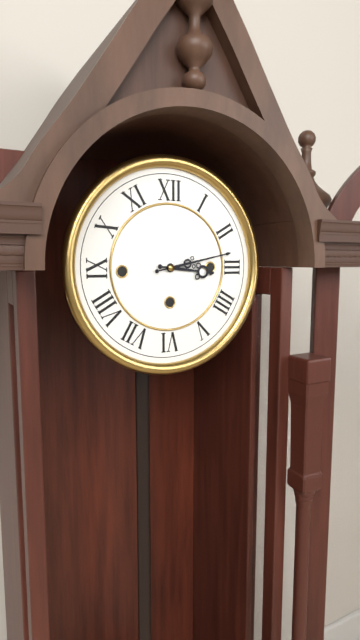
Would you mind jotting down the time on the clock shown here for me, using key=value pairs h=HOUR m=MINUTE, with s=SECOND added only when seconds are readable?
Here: h=3 m=13
